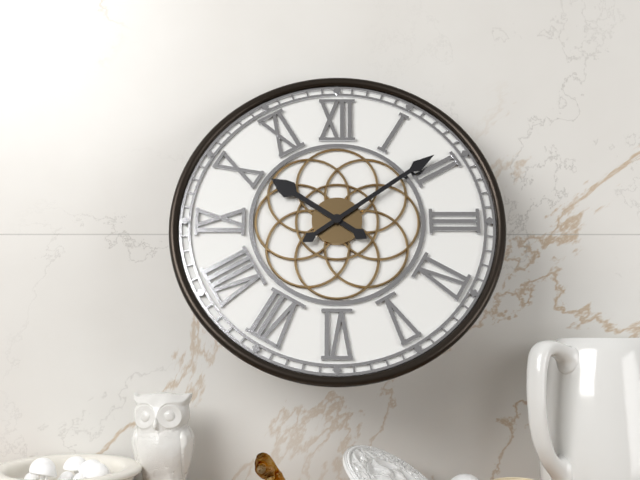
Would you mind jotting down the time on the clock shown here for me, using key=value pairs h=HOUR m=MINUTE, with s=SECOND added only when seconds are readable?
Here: h=10 m=9
